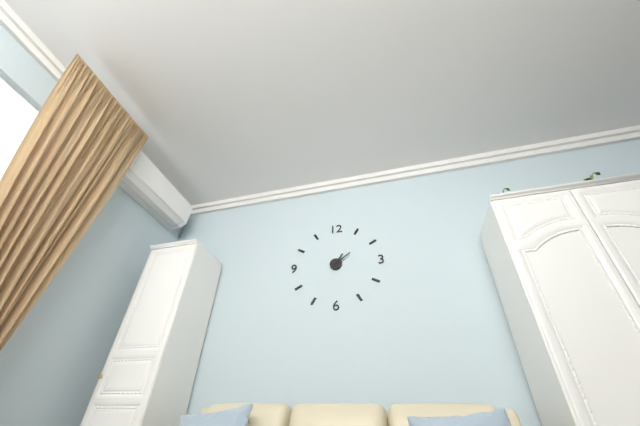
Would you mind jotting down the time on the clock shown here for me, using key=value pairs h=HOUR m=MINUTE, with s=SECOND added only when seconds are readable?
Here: h=1 m=9
